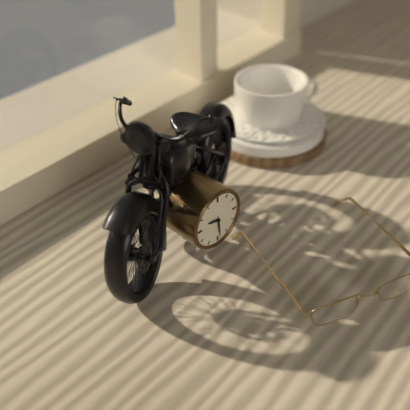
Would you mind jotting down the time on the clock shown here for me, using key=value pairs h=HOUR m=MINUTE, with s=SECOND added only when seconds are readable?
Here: h=9 m=29
